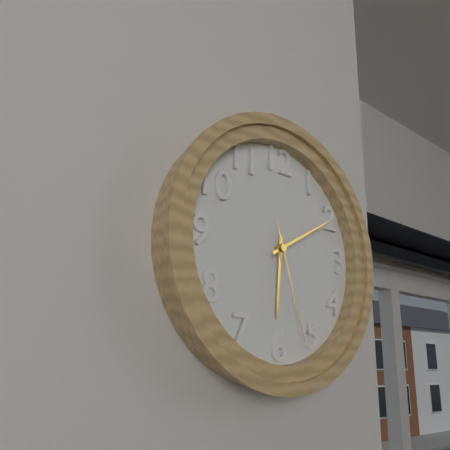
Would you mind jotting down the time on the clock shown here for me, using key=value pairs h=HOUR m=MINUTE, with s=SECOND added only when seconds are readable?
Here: h=6 m=10 s=27
